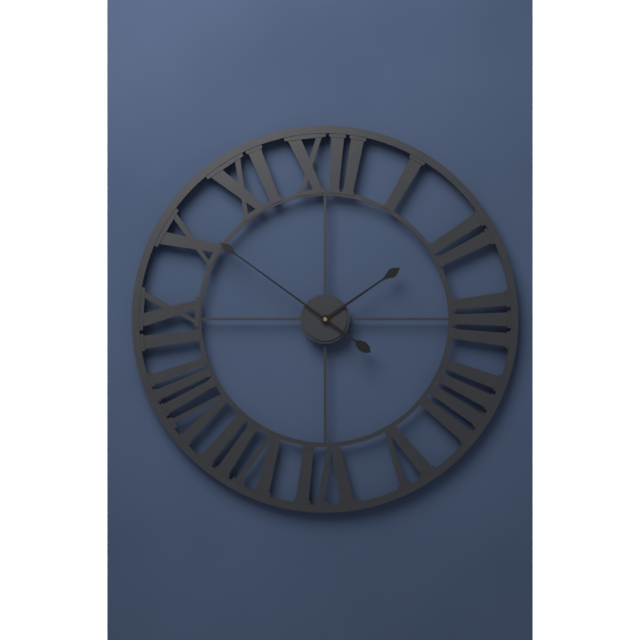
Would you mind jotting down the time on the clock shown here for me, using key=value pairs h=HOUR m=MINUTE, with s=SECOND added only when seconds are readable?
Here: h=1 m=51
